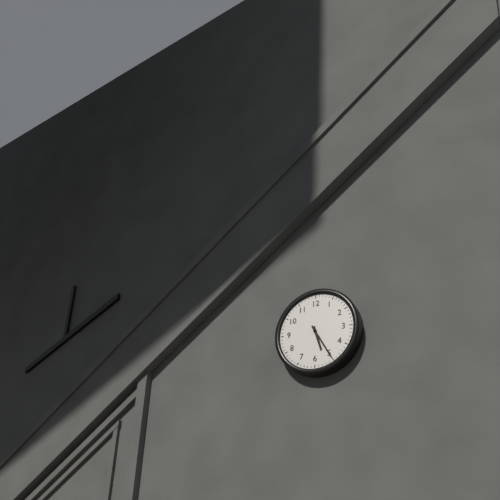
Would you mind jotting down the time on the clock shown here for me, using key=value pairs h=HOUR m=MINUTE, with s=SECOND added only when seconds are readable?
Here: h=5 m=25
